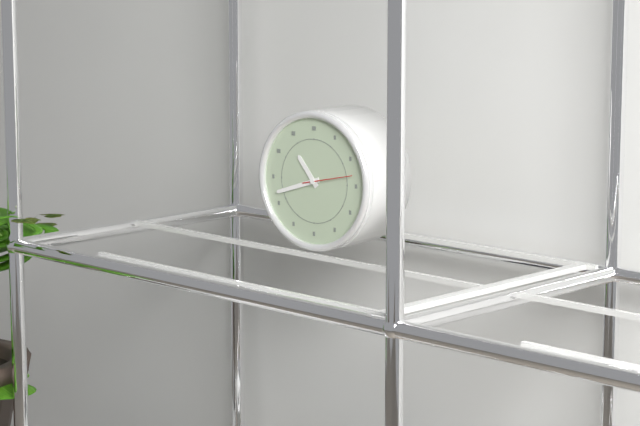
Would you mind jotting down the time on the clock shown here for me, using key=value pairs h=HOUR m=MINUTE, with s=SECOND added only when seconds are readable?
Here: h=10 m=42
